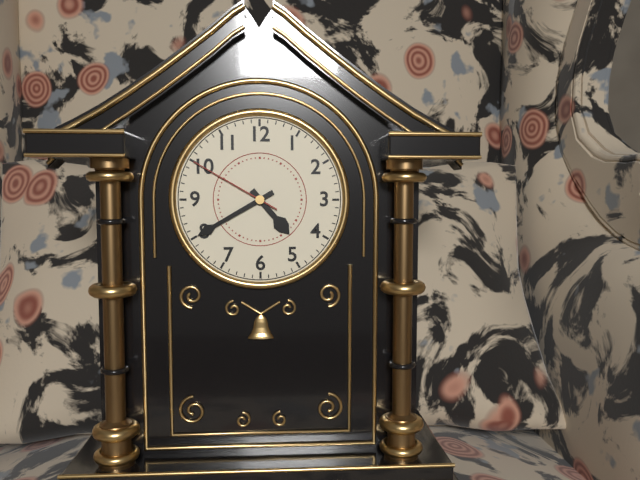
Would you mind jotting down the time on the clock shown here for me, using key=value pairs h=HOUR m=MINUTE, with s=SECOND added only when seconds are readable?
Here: h=4 m=40 s=50
